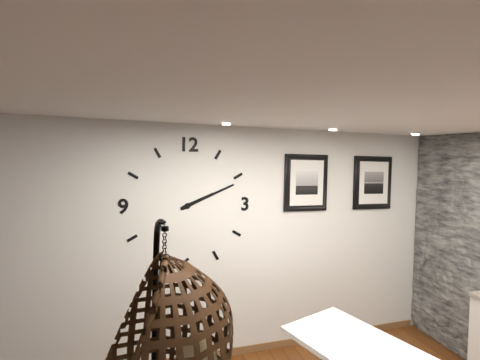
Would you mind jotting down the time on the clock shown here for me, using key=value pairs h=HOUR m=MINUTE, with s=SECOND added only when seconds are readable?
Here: h=2 m=11
